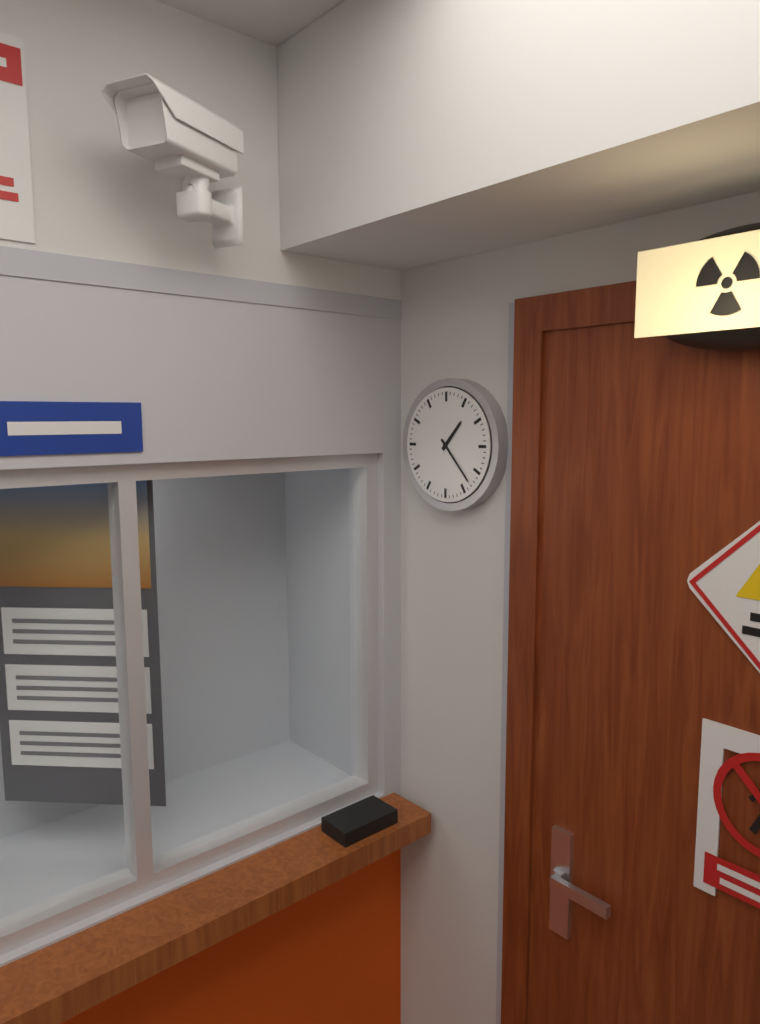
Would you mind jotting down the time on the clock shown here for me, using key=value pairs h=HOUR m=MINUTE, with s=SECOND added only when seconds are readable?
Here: h=1 m=23
